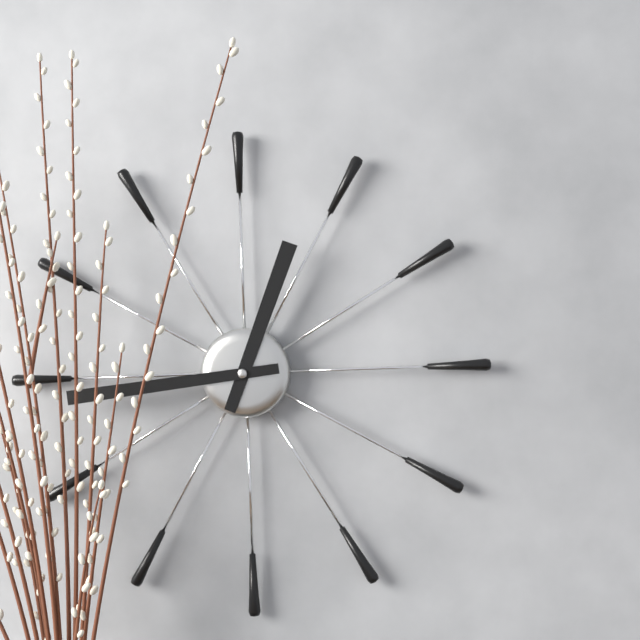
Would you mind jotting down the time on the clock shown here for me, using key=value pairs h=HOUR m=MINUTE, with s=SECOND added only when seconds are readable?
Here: h=12 m=44
